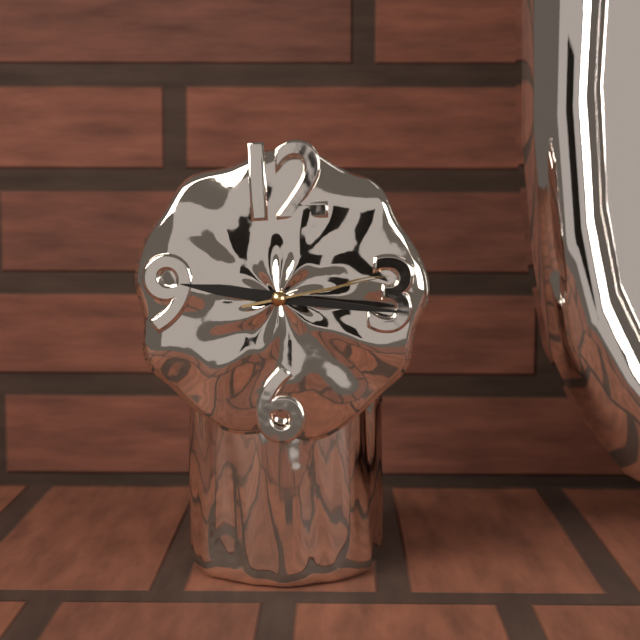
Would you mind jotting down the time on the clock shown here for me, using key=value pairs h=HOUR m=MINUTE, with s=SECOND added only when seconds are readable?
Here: h=9 m=16 s=13
